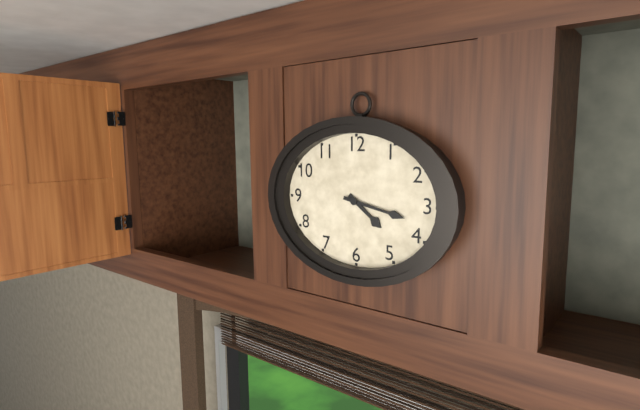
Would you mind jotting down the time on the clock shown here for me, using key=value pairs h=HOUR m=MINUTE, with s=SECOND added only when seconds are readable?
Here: h=4 m=17
